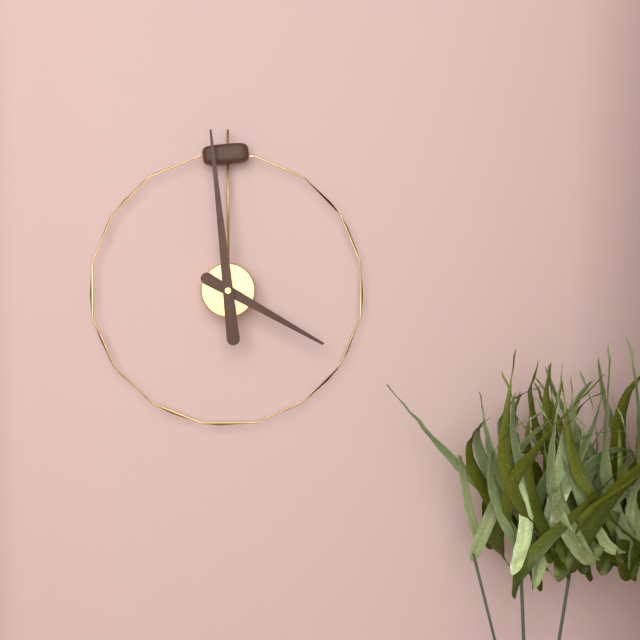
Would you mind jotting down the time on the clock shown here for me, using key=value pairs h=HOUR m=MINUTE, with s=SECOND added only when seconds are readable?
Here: h=3 m=59
